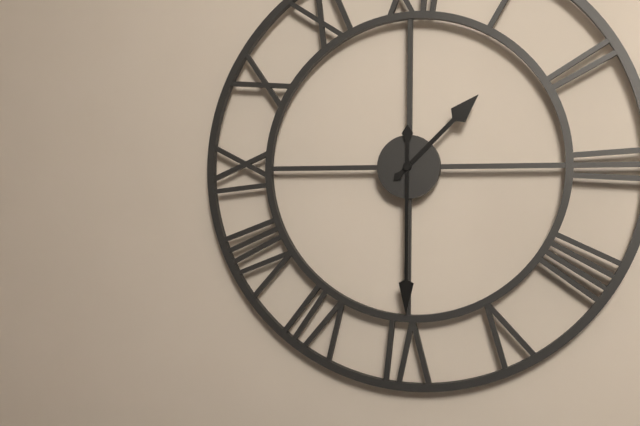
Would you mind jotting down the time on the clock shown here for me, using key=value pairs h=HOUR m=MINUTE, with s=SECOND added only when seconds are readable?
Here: h=1 m=30
